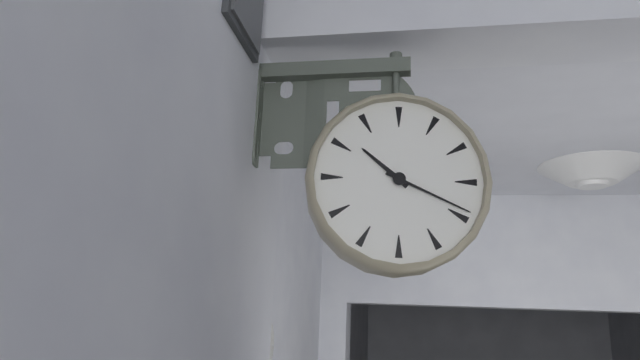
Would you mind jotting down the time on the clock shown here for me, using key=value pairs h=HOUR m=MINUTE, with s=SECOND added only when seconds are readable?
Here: h=10 m=19
